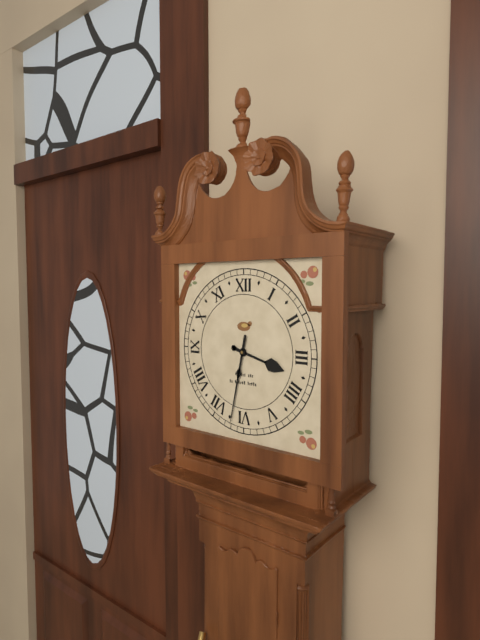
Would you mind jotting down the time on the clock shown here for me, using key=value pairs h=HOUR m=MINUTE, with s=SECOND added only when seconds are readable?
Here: h=3 m=32
